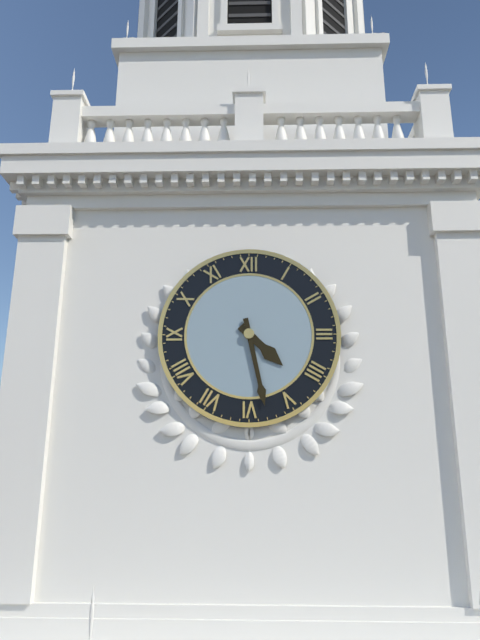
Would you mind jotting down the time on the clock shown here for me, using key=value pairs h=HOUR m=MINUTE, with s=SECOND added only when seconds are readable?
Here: h=4 m=28
